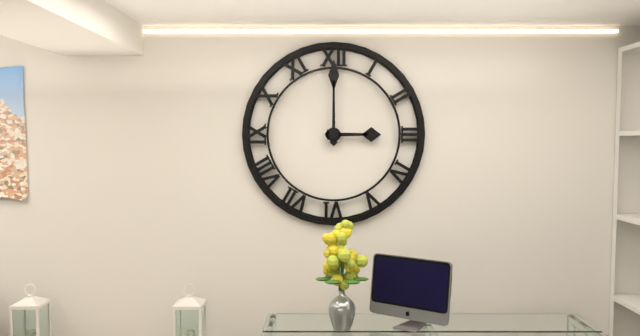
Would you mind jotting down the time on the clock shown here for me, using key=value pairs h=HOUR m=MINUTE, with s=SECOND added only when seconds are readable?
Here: h=3 m=0
